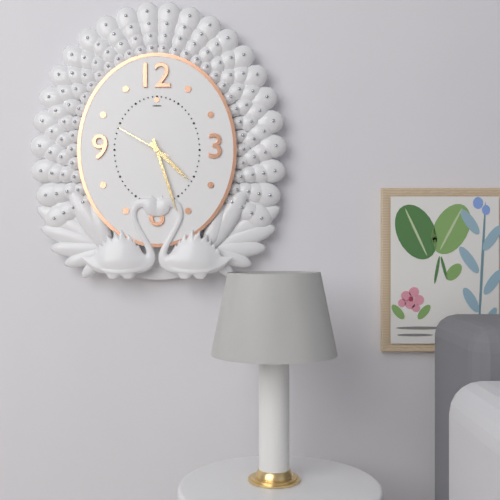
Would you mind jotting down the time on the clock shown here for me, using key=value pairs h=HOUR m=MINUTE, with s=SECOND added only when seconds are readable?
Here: h=4 m=27 s=50
